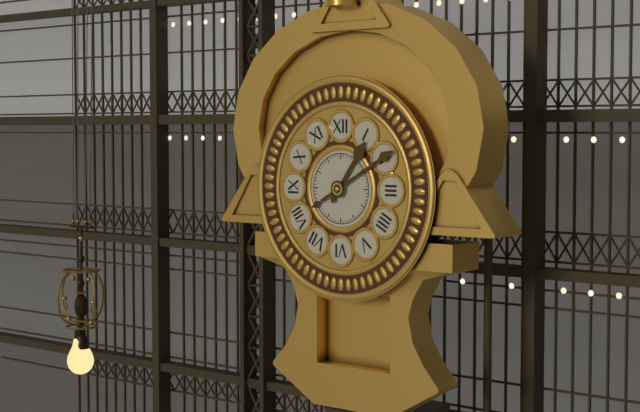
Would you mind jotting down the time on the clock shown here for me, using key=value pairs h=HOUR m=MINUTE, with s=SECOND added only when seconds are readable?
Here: h=1 m=10
